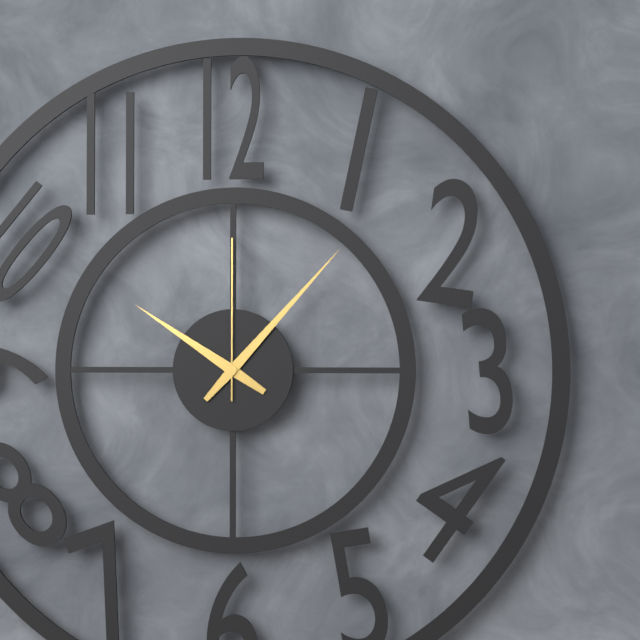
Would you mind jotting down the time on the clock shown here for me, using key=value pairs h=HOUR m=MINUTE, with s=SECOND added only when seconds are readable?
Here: h=10 m=7 s=0
